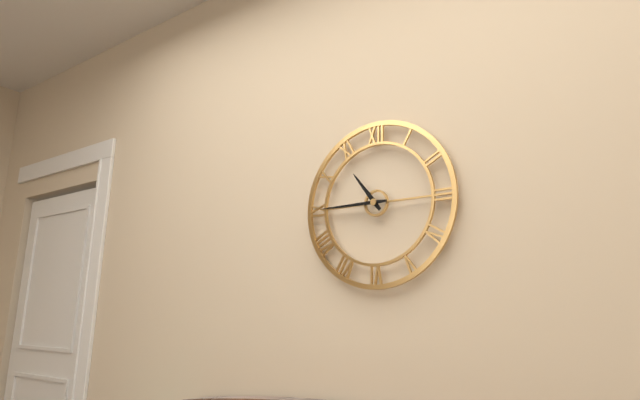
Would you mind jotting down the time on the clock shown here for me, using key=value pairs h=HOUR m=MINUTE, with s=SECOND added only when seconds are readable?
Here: h=10 m=45
